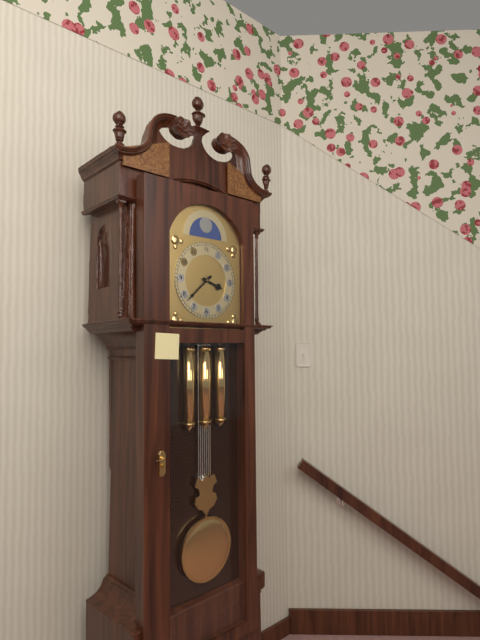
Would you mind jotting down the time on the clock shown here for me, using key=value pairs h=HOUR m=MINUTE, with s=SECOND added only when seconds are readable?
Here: h=3 m=38
